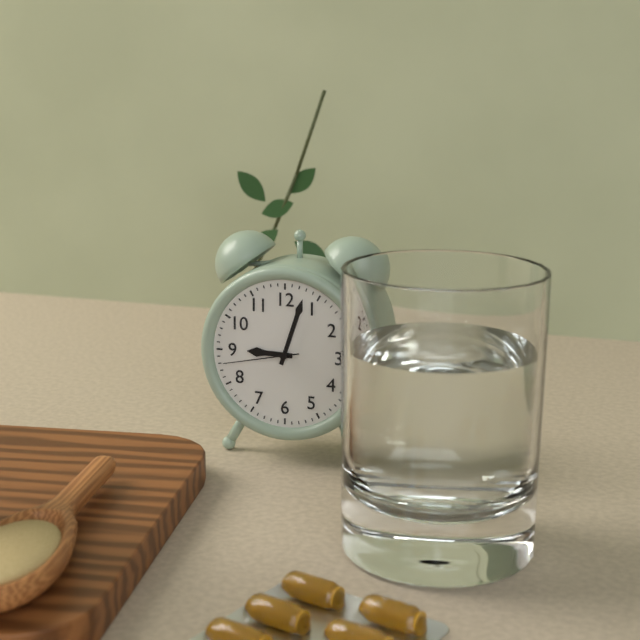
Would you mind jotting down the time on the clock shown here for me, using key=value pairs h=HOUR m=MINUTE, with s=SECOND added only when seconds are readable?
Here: h=9 m=3 s=43
